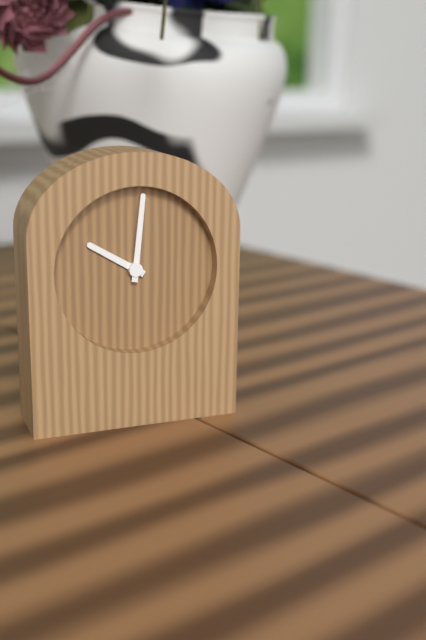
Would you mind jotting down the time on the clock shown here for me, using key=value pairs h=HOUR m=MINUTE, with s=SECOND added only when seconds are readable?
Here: h=10 m=1
